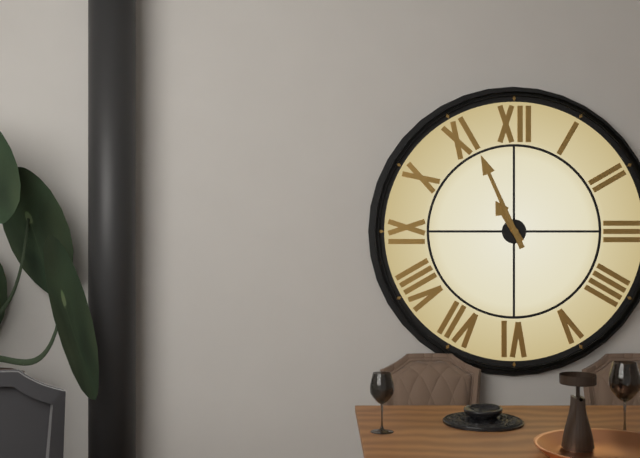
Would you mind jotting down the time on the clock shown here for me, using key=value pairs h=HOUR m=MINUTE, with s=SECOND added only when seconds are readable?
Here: h=10 m=56
